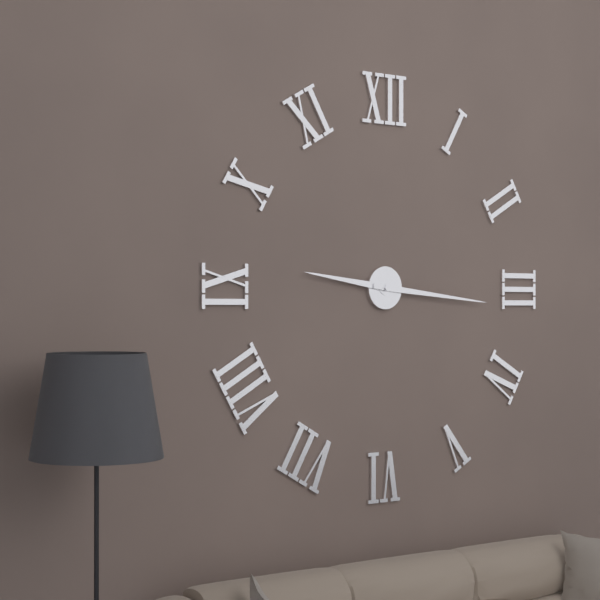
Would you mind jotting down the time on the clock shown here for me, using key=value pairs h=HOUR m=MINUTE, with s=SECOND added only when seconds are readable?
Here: h=9 m=16
